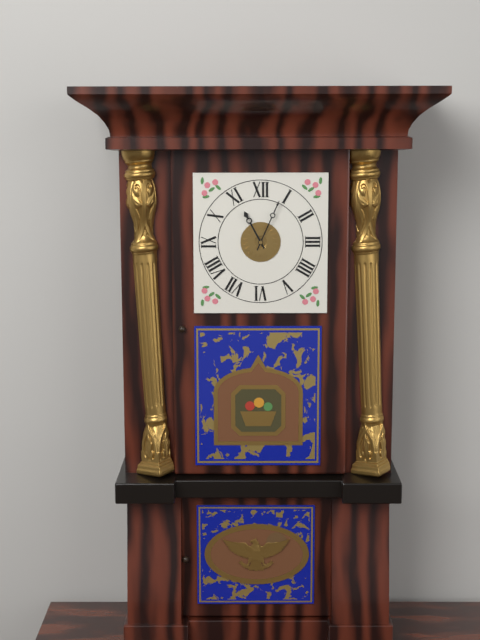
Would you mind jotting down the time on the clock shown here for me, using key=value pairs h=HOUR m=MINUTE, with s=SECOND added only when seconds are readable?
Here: h=11 m=4
